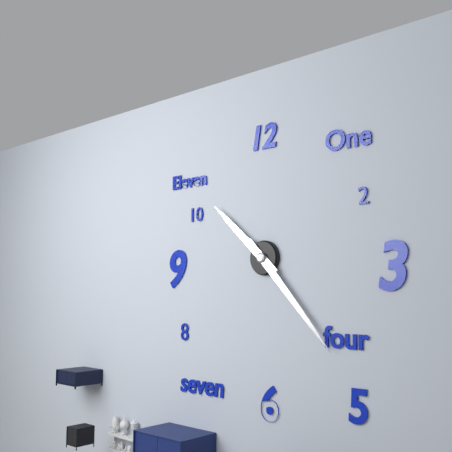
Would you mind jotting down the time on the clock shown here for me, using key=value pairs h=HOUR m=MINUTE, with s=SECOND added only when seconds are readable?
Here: h=10 m=23
